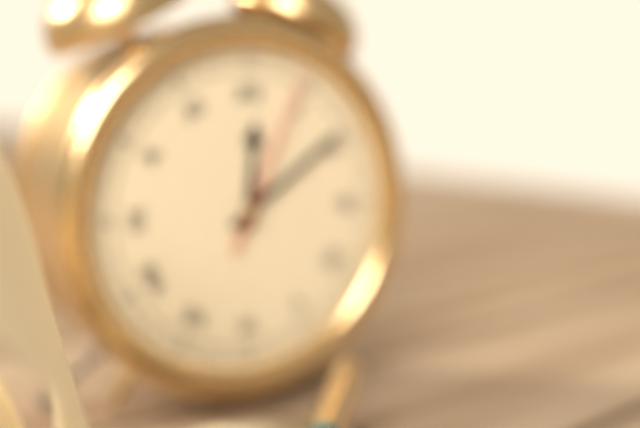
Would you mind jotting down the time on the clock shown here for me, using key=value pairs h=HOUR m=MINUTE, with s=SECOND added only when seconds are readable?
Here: h=12 m=9 s=4
